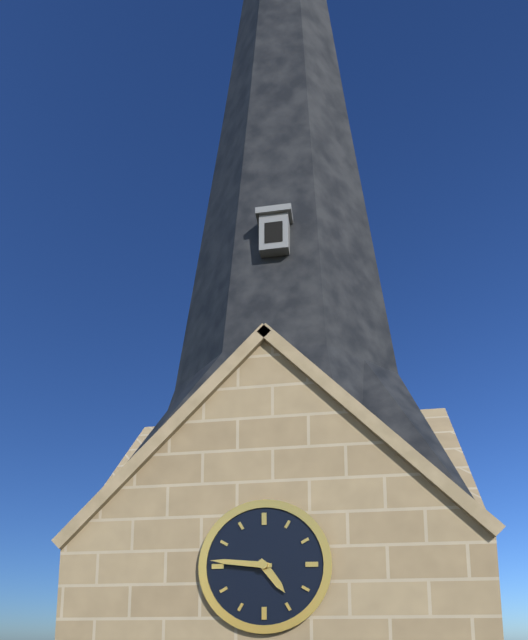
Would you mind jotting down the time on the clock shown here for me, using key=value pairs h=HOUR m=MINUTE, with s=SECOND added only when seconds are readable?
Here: h=4 m=46
